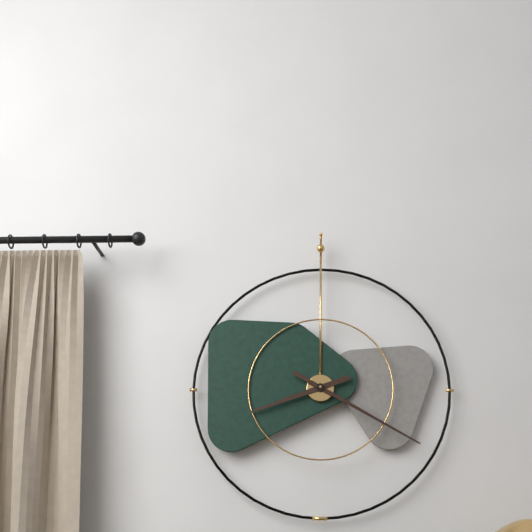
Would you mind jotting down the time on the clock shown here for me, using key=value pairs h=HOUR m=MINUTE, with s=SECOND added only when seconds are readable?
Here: h=8 m=20
